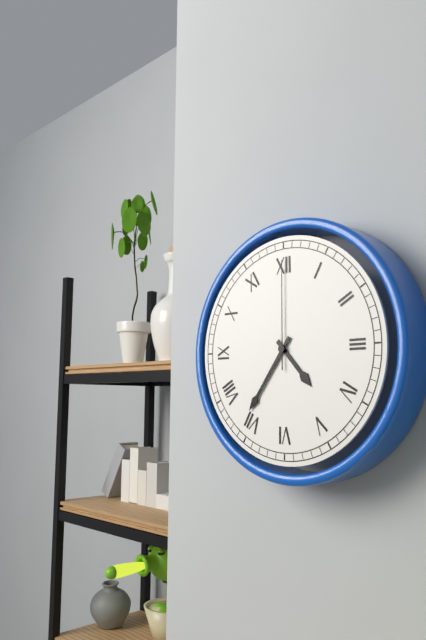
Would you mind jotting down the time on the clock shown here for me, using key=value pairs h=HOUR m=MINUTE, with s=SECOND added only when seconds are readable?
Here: h=4 m=36 s=0
